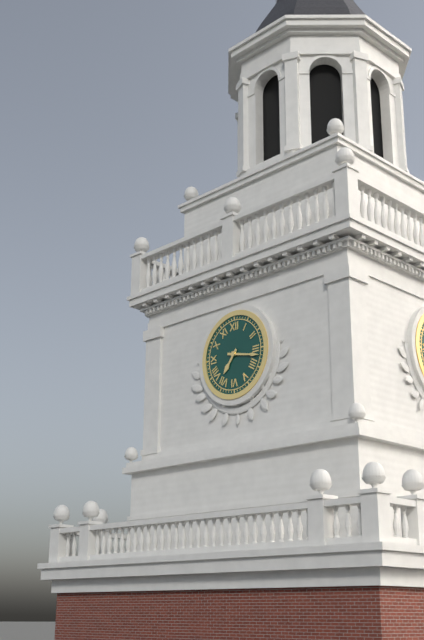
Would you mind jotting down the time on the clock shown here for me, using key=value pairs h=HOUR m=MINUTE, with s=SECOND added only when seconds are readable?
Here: h=7 m=17
